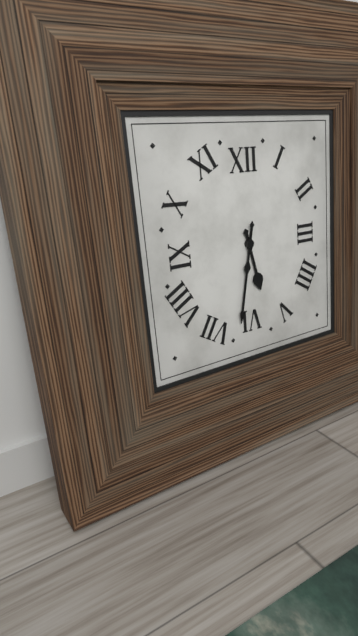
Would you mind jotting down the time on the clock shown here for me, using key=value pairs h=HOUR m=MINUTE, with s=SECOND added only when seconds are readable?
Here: h=5 m=32
